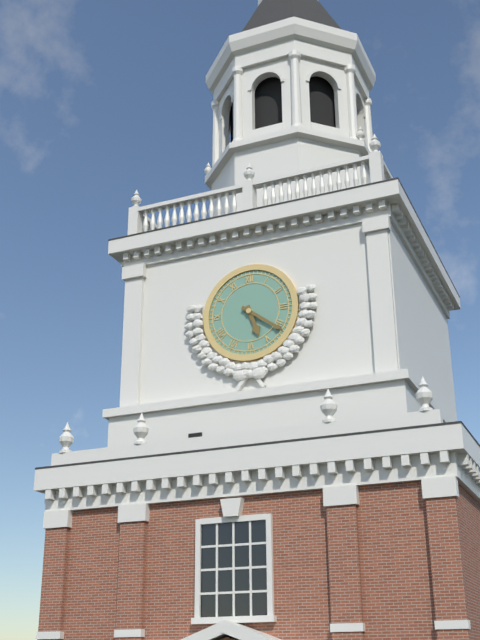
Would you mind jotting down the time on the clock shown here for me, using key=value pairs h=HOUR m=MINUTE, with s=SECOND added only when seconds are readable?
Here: h=5 m=21
